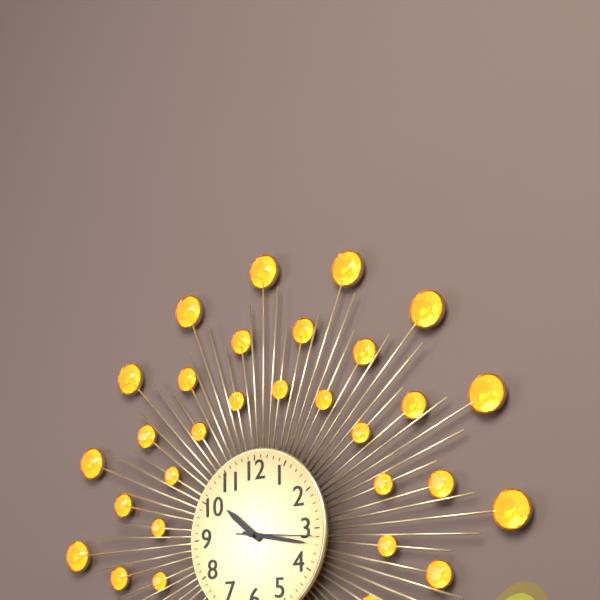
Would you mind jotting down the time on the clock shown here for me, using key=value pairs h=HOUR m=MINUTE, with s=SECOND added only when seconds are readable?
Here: h=10 m=17 s=16
